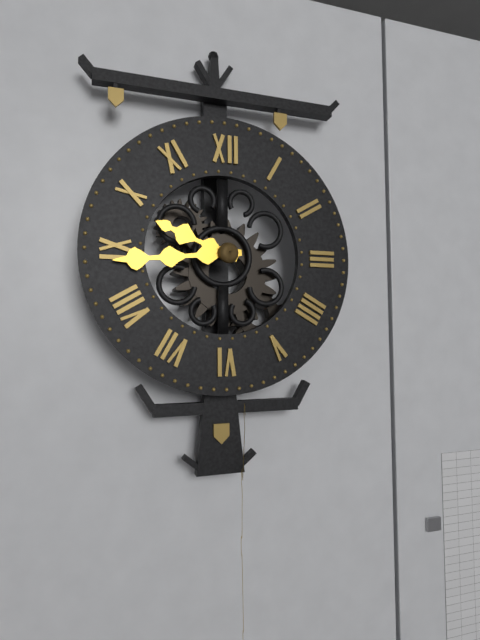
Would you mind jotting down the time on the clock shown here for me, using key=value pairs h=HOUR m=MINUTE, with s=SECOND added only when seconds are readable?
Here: h=9 m=44
